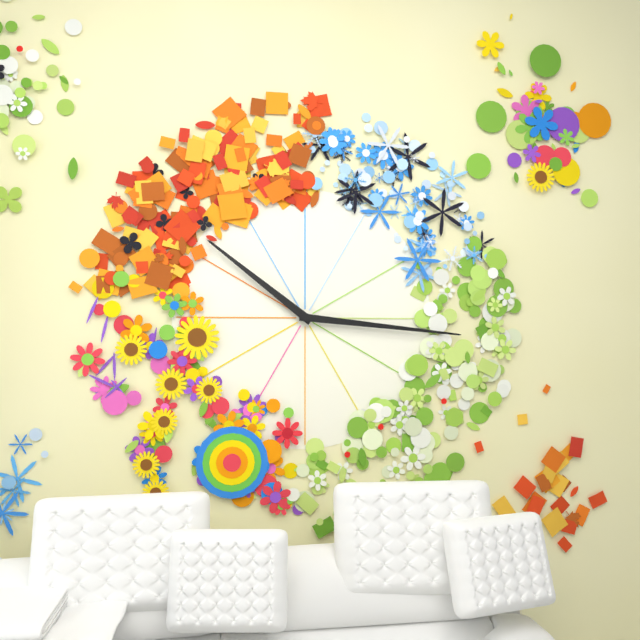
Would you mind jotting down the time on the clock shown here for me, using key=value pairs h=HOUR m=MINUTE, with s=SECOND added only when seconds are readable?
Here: h=10 m=16
